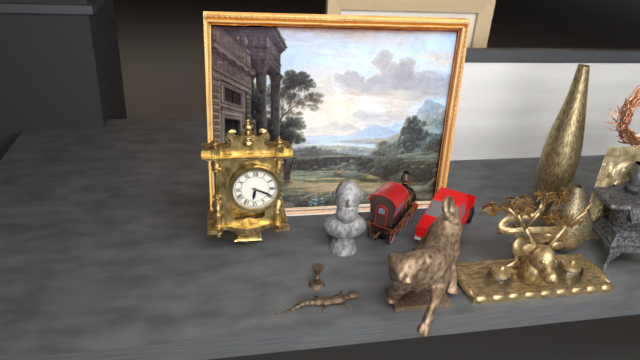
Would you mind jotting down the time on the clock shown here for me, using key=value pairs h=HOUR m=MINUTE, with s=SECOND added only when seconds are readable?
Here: h=6 m=19
